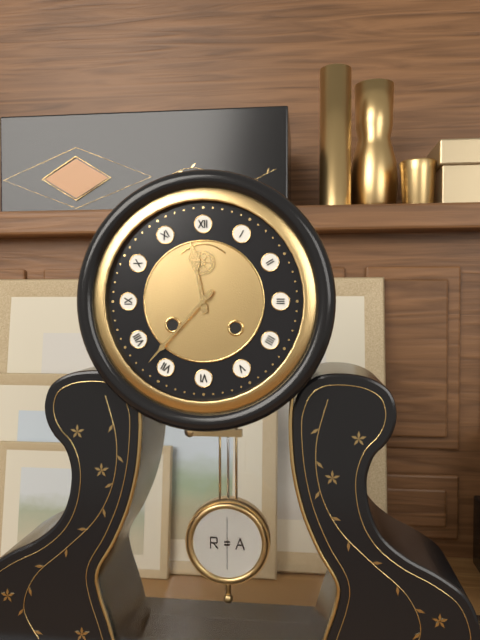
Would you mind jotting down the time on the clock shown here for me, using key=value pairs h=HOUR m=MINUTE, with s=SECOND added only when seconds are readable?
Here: h=11 m=37
